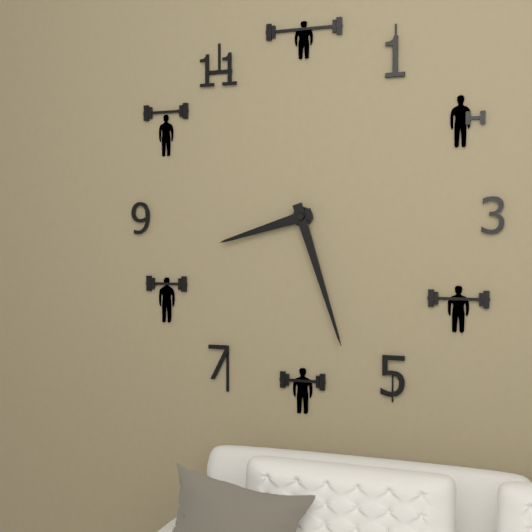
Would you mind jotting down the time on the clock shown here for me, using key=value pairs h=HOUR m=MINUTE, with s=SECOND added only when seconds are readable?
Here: h=8 m=27
